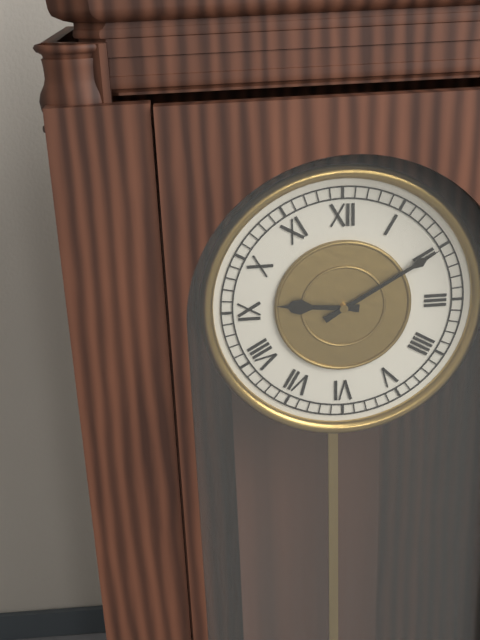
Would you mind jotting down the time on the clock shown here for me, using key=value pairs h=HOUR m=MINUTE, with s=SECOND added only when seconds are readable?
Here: h=9 m=10
